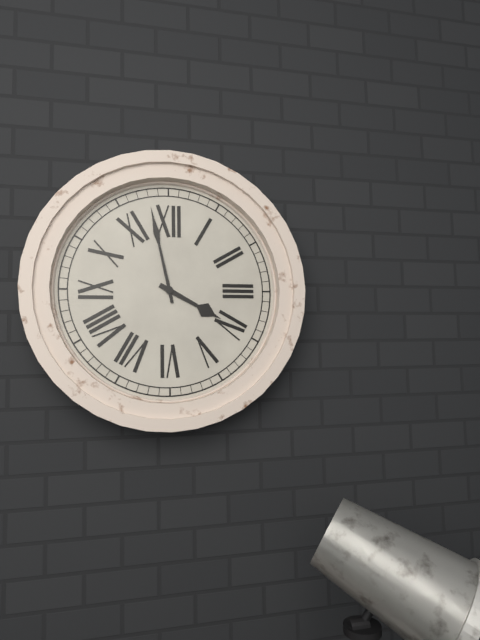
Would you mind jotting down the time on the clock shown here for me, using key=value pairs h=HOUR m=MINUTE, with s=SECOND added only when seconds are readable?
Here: h=3 m=58
